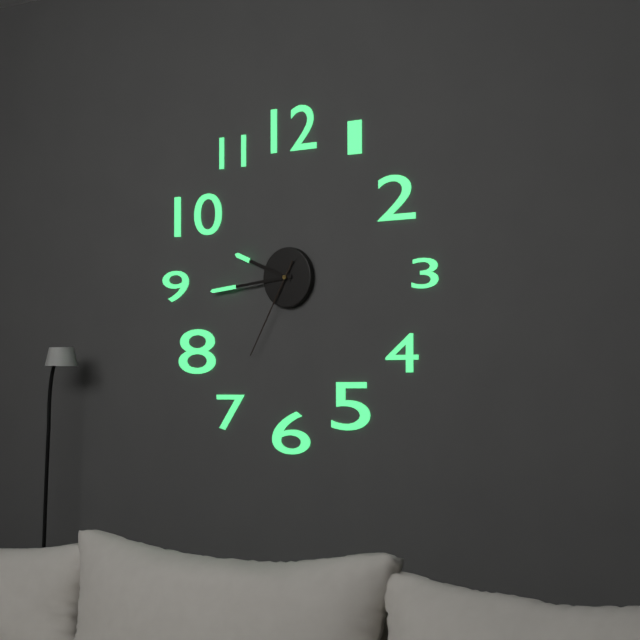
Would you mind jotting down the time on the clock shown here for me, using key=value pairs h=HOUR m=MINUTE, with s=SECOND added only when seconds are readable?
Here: h=9 m=44 s=35
